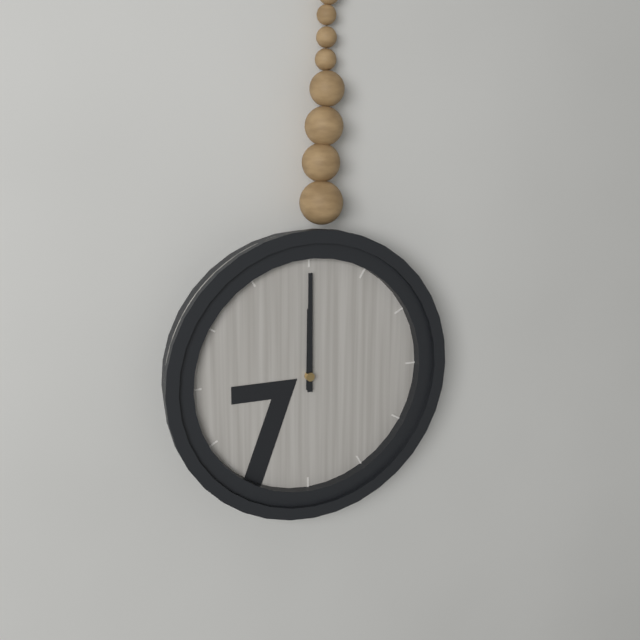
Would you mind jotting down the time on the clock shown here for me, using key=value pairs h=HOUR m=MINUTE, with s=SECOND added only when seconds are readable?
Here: h=12 m=0
